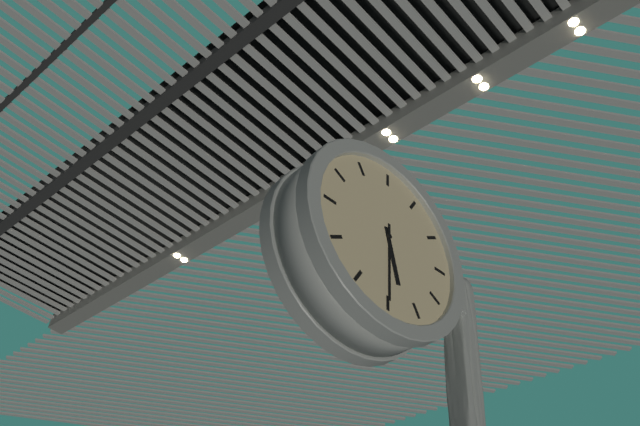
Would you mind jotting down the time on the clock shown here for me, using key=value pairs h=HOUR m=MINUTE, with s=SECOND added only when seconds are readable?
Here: h=5 m=30
